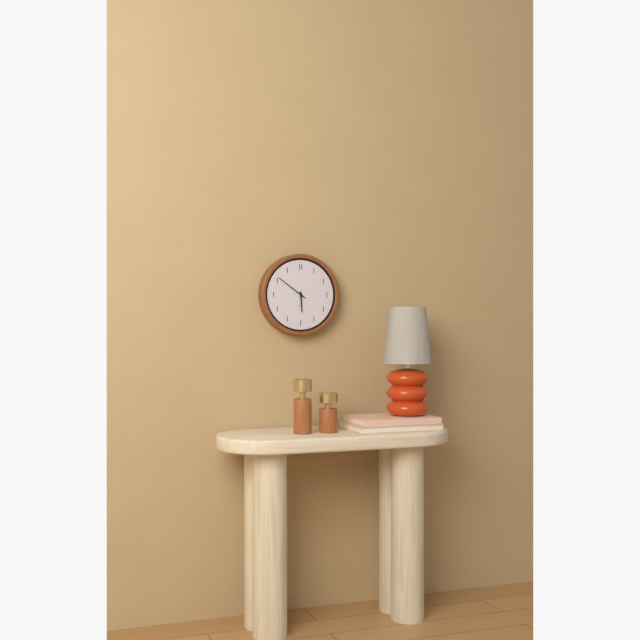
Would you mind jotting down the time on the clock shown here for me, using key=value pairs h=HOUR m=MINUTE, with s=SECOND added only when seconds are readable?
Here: h=5 m=51
